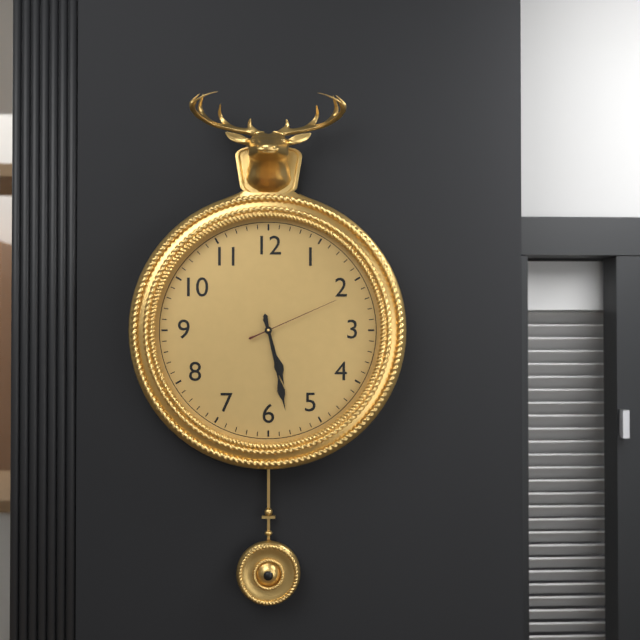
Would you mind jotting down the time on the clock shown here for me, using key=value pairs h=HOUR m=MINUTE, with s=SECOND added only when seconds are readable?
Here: h=5 m=28 s=11
